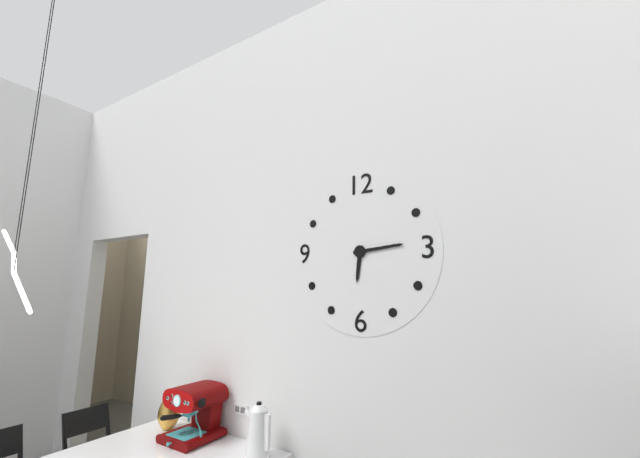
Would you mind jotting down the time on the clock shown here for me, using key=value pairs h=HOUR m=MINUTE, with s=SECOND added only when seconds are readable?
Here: h=6 m=14
